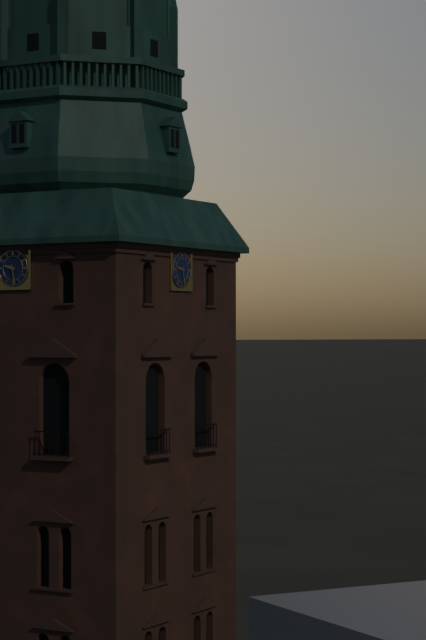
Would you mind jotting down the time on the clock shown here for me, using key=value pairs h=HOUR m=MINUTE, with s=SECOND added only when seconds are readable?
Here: h=9 m=28
